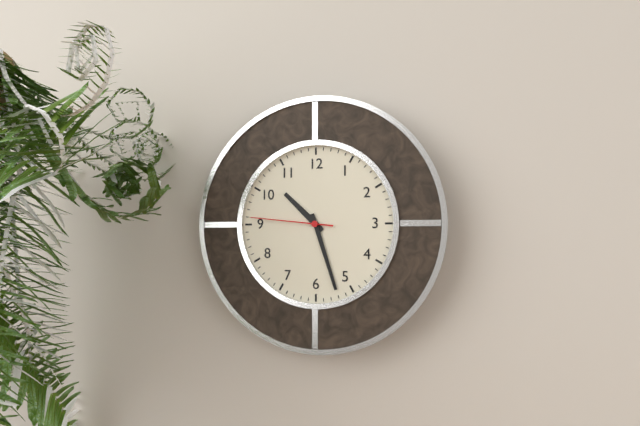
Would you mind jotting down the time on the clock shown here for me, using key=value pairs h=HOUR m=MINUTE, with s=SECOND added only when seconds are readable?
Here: h=10 m=27 s=46
